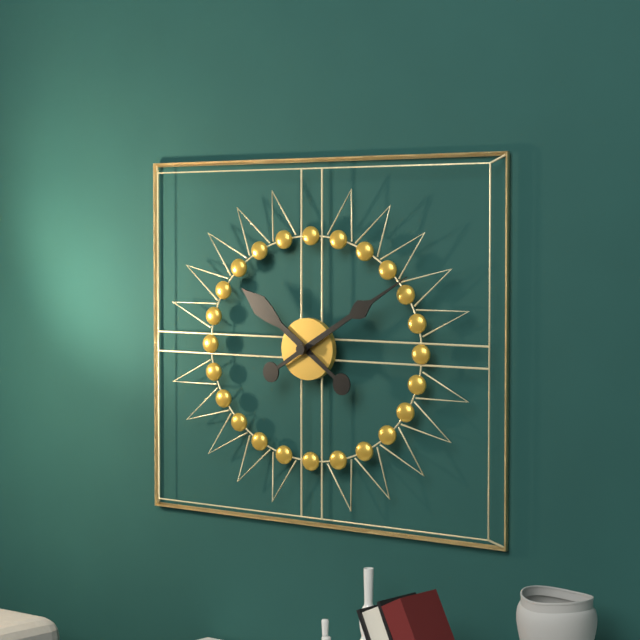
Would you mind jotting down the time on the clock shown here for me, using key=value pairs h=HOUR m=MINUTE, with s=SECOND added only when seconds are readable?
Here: h=10 m=10
